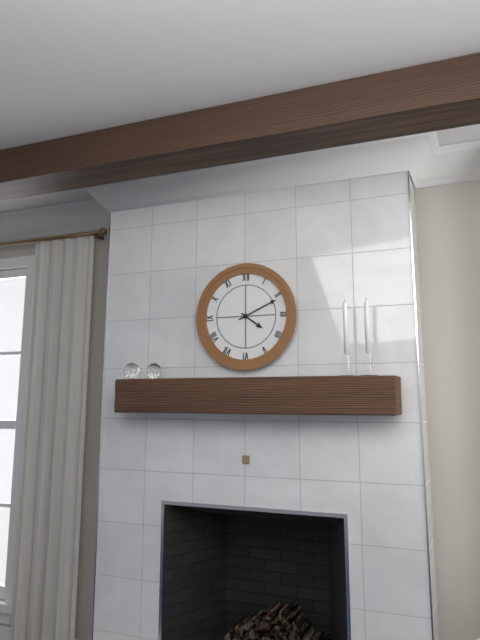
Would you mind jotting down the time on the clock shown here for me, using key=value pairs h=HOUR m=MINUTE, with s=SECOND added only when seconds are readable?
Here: h=4 m=11
